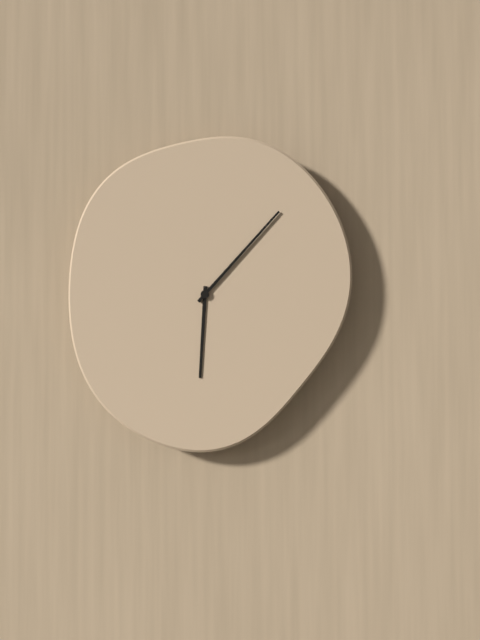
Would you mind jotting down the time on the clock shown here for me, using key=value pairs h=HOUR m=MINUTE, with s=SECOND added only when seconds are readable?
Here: h=6 m=7
